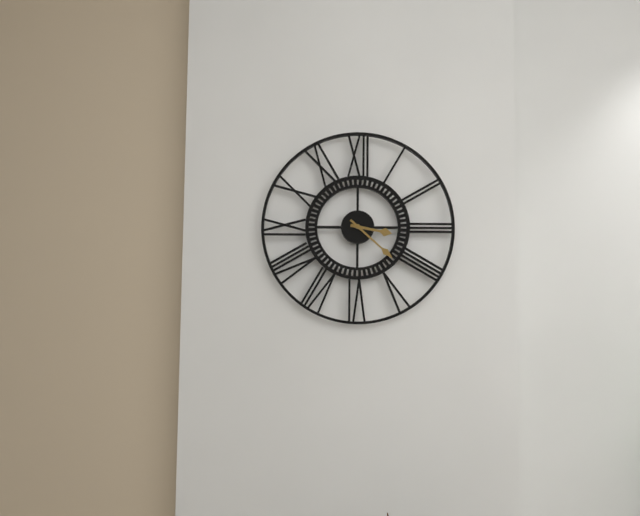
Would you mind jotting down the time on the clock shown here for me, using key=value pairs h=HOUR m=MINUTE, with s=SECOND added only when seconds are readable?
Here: h=3 m=22
